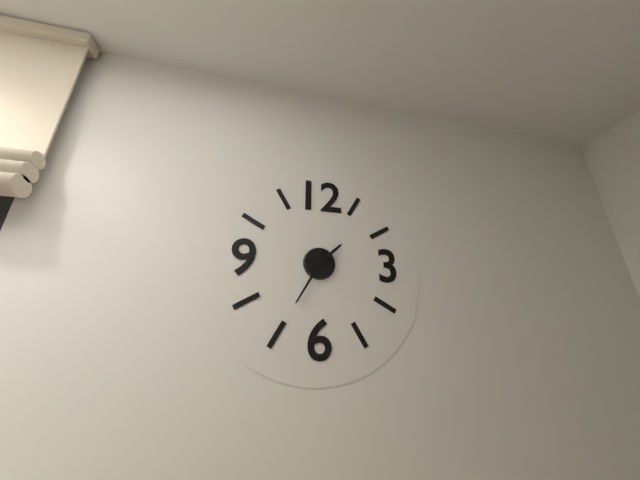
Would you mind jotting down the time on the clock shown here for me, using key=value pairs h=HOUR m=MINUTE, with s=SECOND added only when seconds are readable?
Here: h=1 m=35
